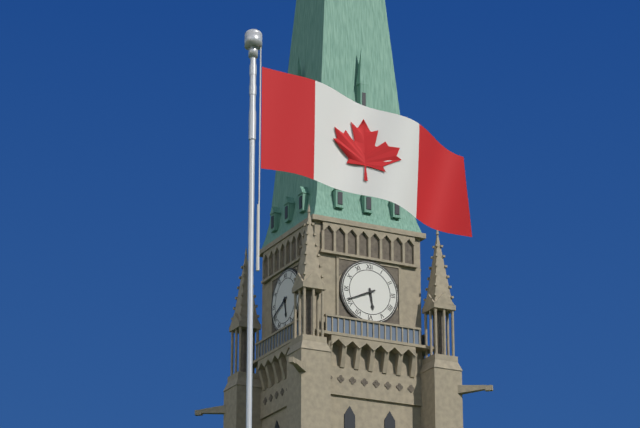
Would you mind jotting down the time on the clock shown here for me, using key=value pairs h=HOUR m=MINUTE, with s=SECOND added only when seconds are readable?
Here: h=5 m=41
